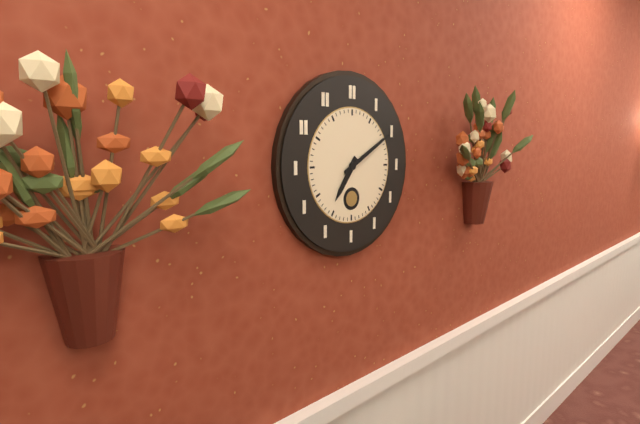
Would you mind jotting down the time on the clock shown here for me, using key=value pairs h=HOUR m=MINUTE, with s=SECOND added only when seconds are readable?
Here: h=7 m=10
